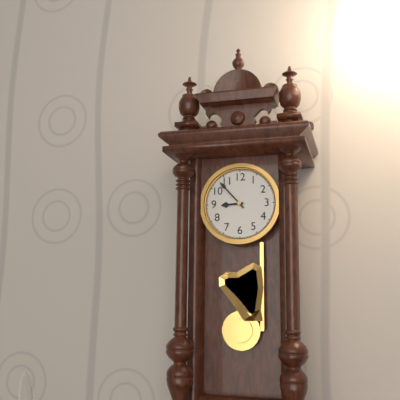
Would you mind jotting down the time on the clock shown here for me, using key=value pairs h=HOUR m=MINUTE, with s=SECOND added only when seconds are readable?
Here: h=8 m=53
